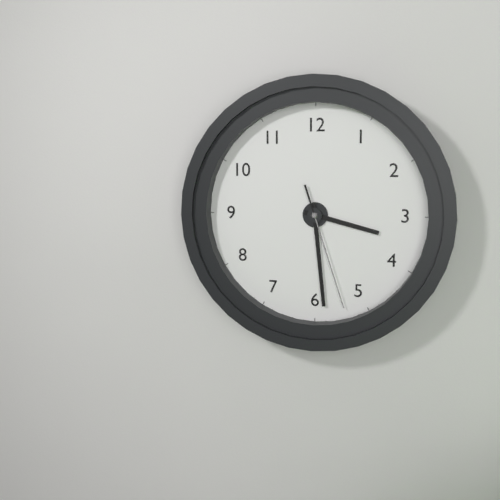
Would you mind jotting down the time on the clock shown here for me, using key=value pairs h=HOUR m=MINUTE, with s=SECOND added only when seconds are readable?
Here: h=3 m=29 s=27
